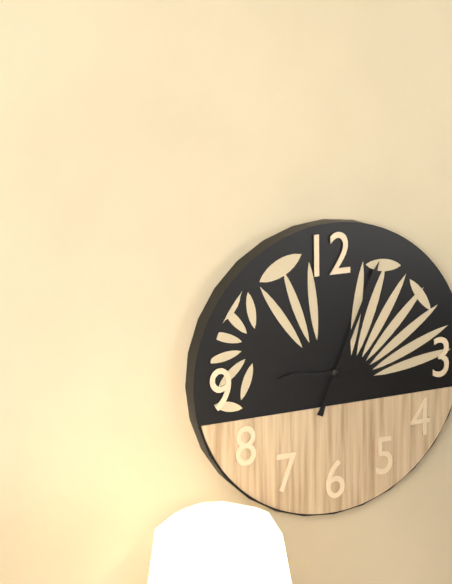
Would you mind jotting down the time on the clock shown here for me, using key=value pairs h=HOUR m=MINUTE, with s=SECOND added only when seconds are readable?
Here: h=9 m=4
